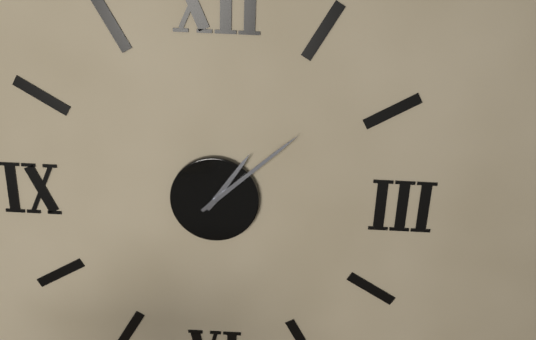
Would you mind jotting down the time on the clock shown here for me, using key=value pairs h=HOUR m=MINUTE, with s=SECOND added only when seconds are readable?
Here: h=1 m=8
